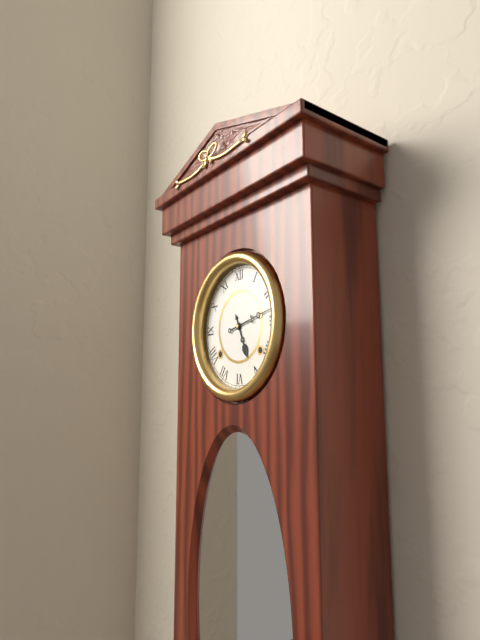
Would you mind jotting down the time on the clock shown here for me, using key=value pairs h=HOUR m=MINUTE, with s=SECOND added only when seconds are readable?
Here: h=5 m=13
